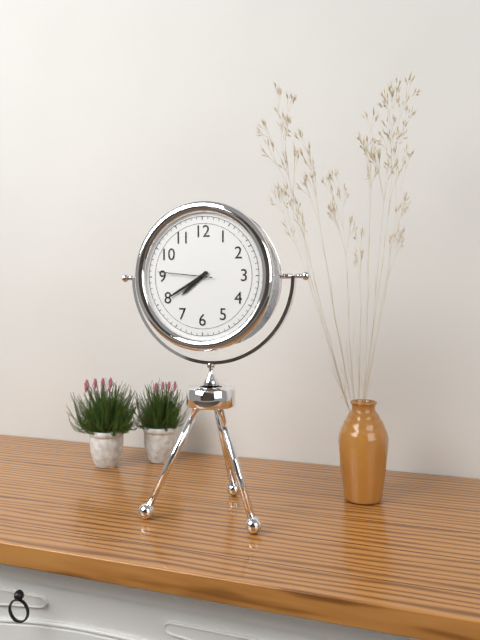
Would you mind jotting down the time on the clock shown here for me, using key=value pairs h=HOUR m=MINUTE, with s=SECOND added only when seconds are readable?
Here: h=7 m=40 s=46
